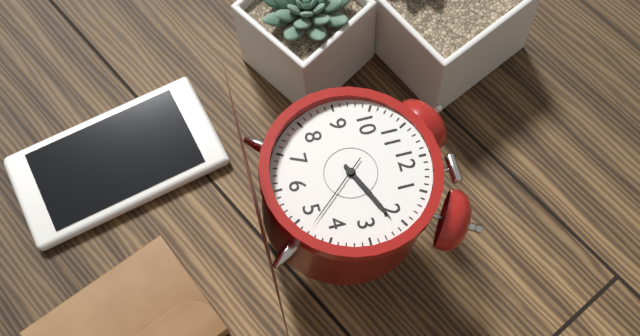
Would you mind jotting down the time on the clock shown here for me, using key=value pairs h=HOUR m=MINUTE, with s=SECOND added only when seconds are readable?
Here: h=2 m=11 s=23
